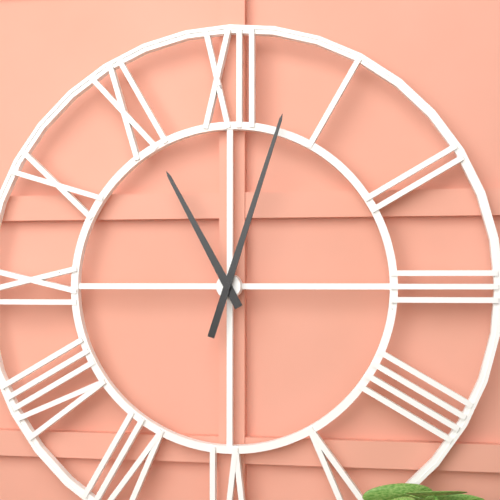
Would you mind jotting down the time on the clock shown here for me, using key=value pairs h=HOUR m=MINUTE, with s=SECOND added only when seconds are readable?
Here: h=11 m=3
